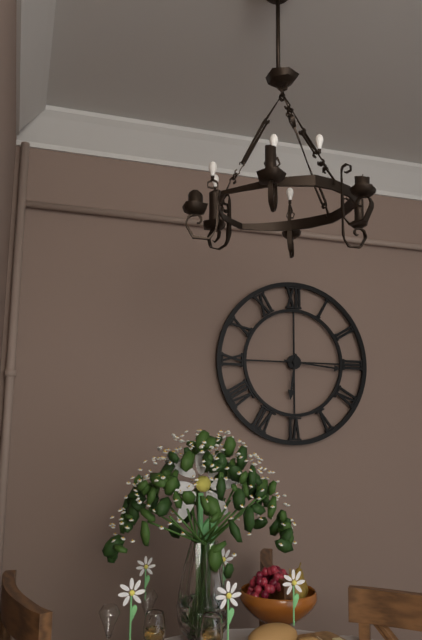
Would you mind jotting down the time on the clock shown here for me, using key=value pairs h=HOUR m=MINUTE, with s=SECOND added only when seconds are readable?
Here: h=6 m=16
